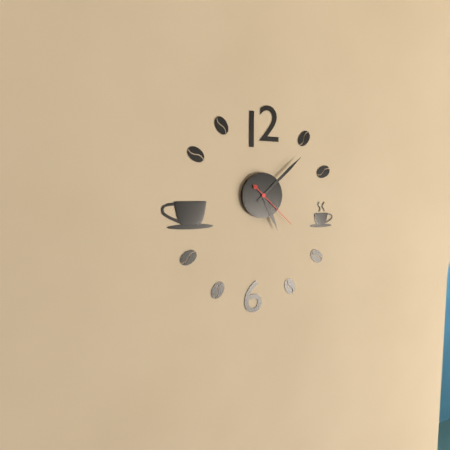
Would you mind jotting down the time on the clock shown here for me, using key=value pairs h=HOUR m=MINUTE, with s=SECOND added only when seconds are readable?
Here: h=5 m=8 s=22
